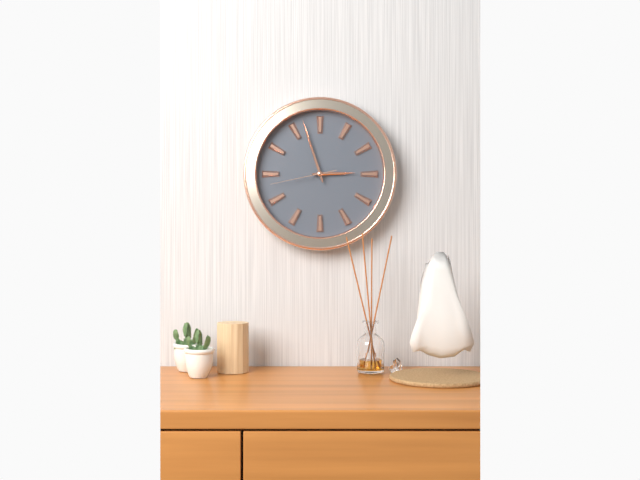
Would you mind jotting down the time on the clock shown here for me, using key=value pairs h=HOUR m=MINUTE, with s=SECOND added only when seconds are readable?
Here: h=2 m=57 s=43
